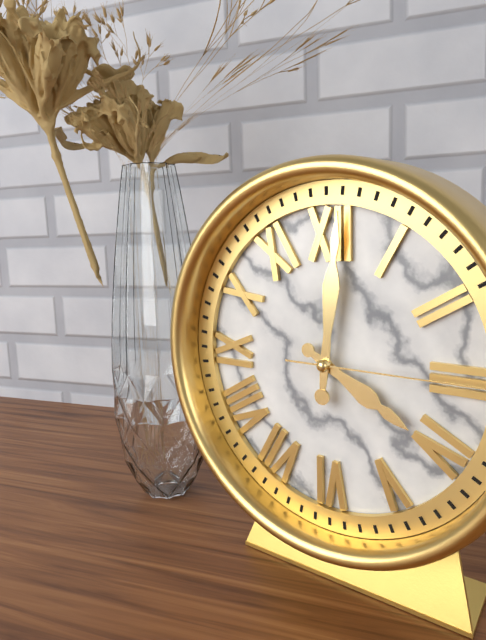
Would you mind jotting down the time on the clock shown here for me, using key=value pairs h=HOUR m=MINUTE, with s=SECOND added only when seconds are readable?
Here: h=4 m=1
